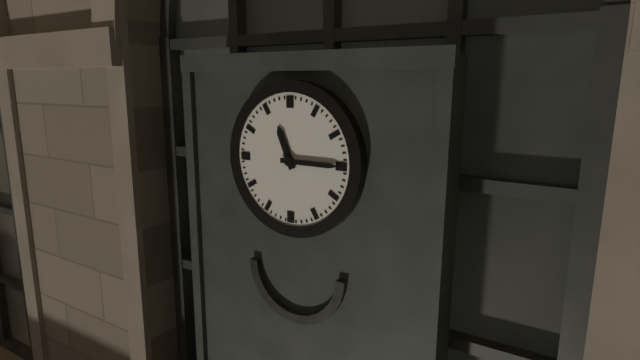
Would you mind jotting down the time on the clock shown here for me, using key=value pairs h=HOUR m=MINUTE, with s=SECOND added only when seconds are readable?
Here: h=11 m=15
